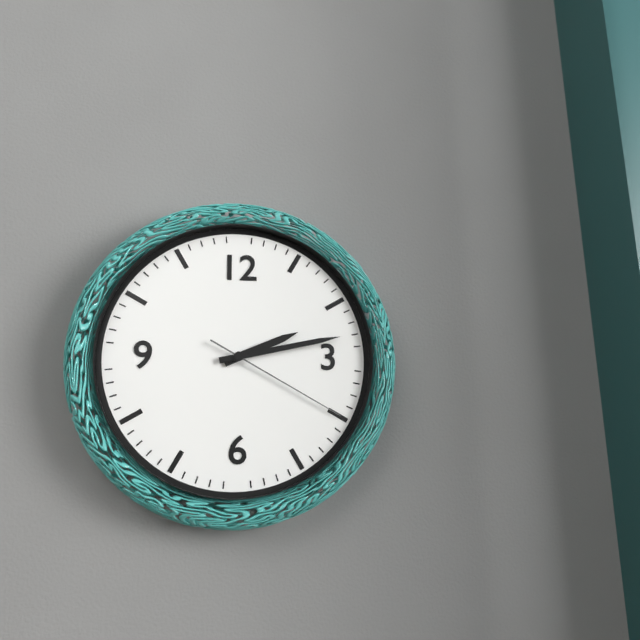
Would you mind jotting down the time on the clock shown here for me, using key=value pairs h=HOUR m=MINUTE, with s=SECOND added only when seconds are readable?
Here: h=2 m=13 s=20
